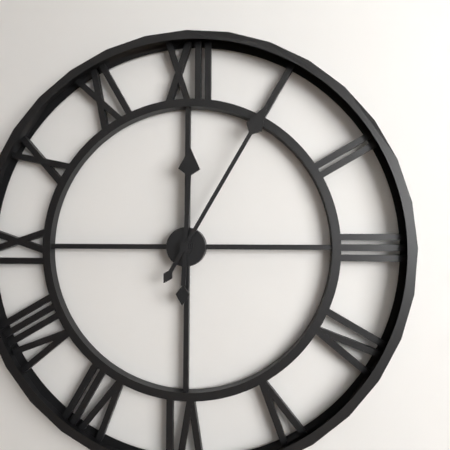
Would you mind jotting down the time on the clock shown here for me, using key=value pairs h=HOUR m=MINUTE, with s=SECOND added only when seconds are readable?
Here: h=12 m=5
